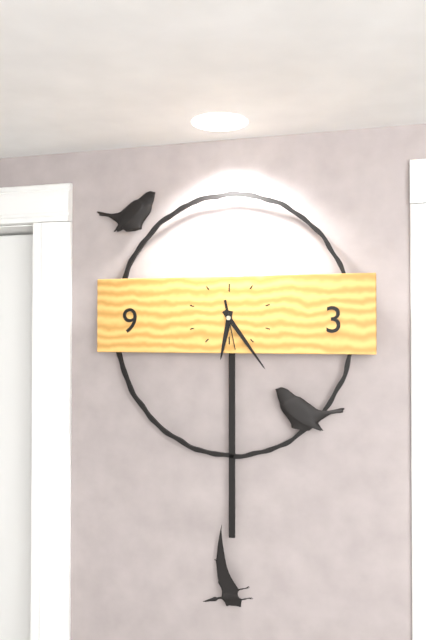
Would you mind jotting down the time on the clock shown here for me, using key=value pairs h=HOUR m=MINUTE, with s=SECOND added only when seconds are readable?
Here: h=6 m=24
